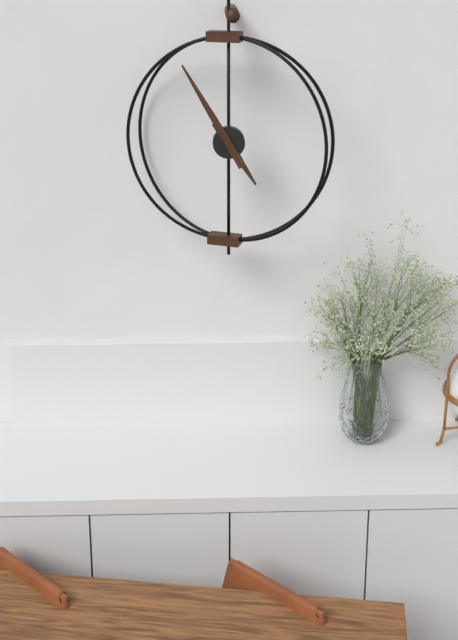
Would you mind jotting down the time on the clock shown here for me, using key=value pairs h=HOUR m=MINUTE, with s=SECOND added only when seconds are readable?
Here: h=4 m=55
